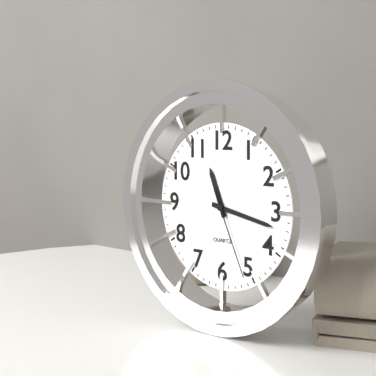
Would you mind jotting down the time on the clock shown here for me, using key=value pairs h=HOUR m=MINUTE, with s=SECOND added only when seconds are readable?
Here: h=11 m=17 s=26
